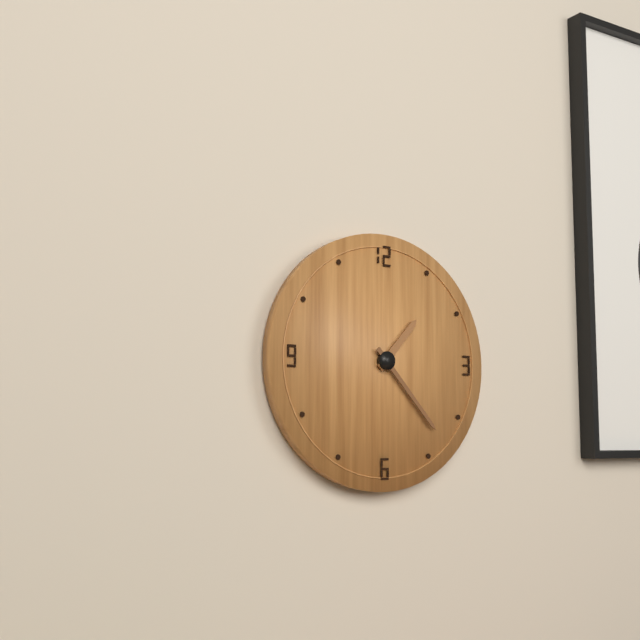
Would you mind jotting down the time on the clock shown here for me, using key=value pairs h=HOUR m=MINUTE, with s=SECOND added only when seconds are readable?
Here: h=1 m=23
